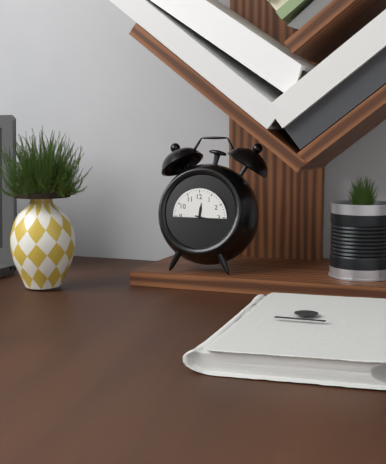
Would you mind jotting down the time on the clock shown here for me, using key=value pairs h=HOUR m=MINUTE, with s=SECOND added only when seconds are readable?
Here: h=12 m=17
